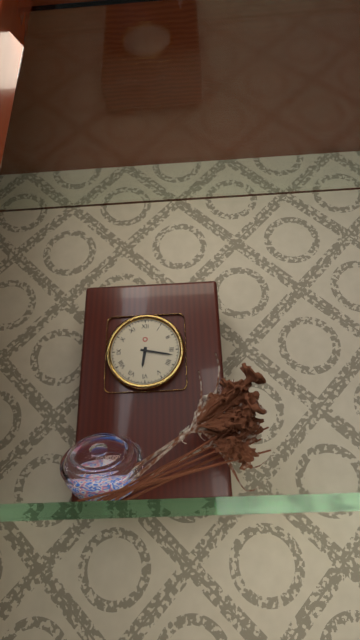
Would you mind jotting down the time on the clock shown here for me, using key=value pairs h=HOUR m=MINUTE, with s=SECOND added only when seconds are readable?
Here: h=6 m=17
